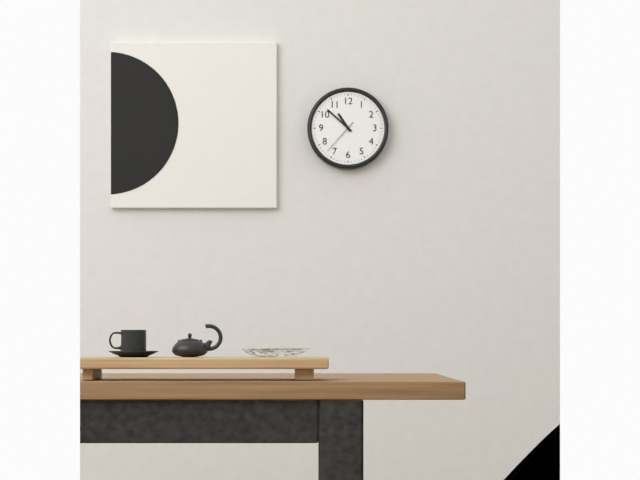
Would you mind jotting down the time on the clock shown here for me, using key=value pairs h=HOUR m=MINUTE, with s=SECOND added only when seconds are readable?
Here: h=10 m=52
